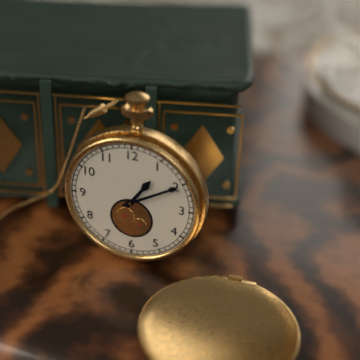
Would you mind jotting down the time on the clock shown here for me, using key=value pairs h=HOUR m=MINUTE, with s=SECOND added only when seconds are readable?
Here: h=1 m=10
